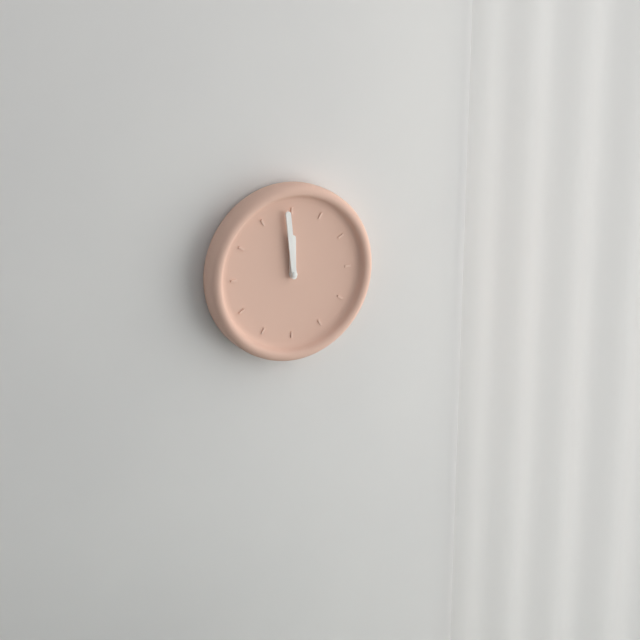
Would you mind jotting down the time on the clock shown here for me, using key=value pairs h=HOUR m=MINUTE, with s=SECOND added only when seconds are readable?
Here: h=11 m=59
